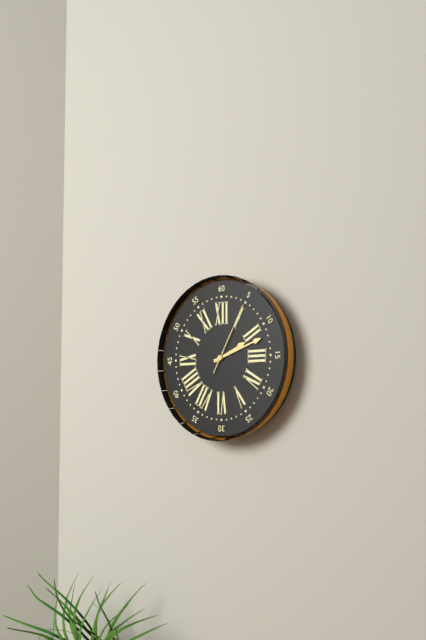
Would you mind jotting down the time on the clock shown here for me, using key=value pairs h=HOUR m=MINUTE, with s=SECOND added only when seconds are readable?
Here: h=2 m=12 s=5
